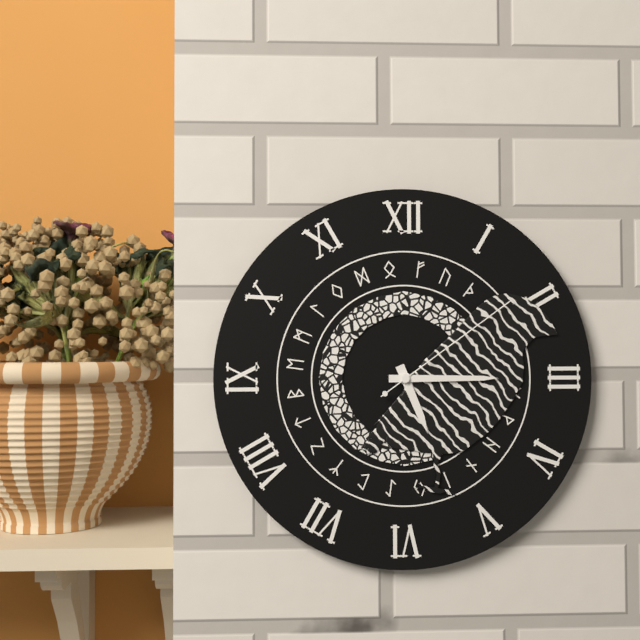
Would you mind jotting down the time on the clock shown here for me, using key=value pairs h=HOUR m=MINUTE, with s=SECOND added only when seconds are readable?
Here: h=5 m=15 s=9
